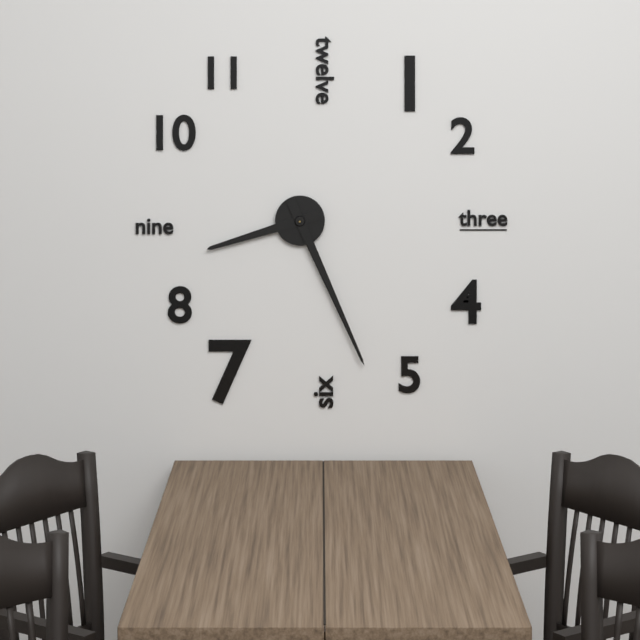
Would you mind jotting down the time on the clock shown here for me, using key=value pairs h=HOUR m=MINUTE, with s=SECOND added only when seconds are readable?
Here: h=8 m=26
